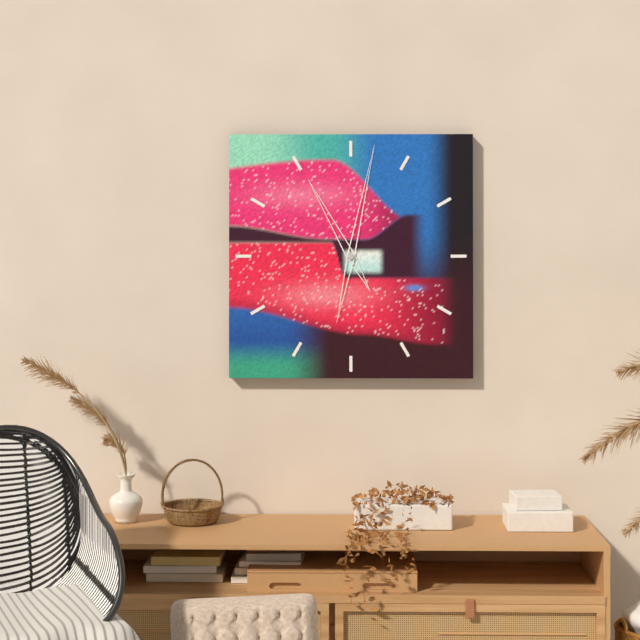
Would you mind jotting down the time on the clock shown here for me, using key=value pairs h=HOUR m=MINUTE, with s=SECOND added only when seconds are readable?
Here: h=11 m=2
